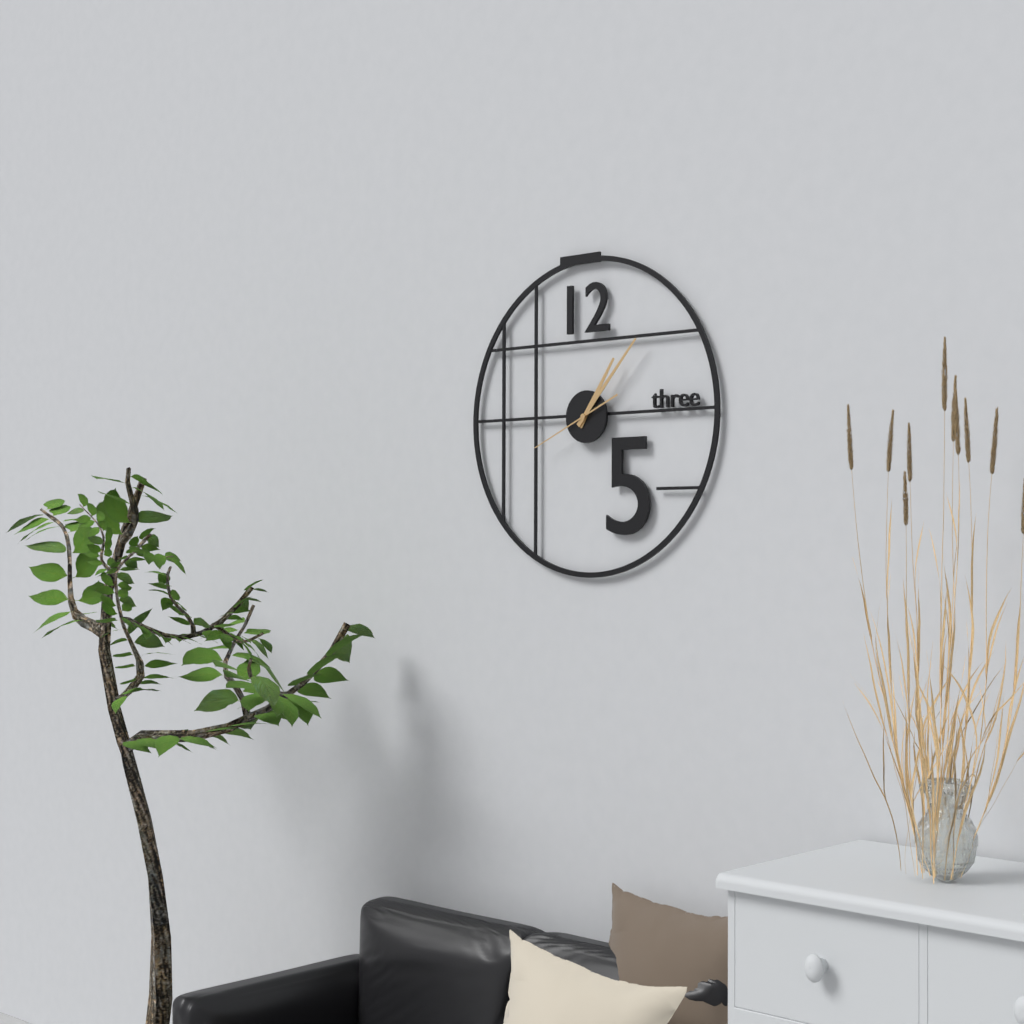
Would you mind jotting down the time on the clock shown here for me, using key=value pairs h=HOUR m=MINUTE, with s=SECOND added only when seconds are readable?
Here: h=1 m=7 s=41
